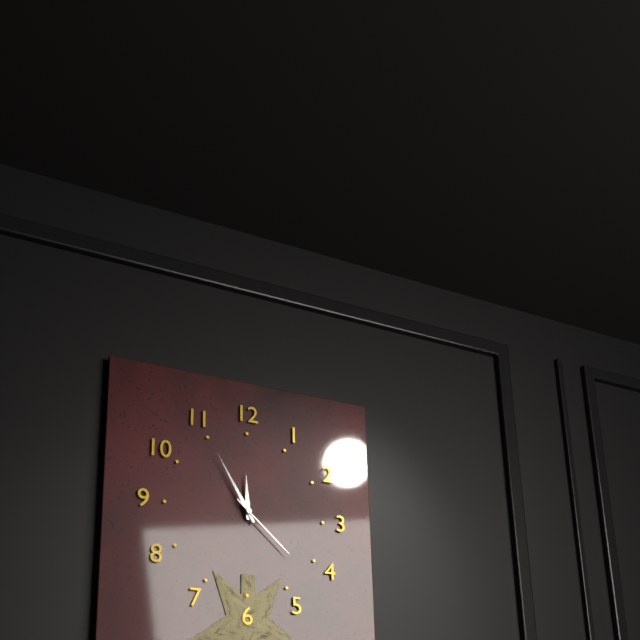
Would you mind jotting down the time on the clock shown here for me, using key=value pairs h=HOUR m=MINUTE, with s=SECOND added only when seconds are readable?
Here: h=11 m=55 s=22
